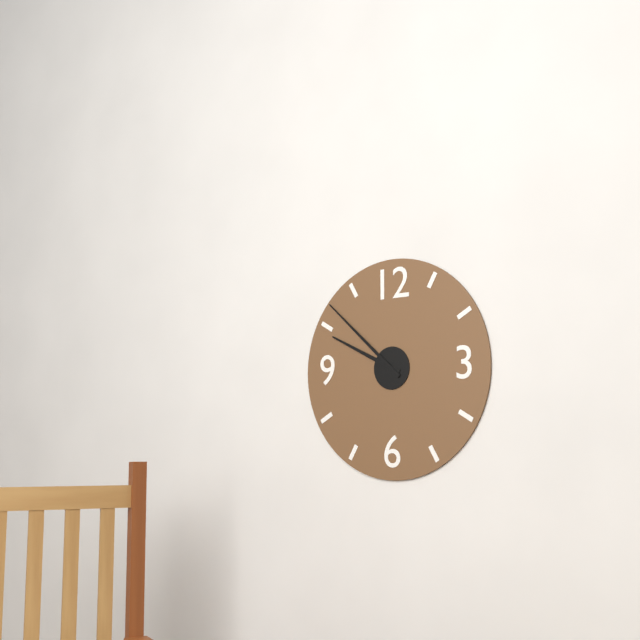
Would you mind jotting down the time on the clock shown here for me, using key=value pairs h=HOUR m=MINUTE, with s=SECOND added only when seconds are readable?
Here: h=9 m=52
